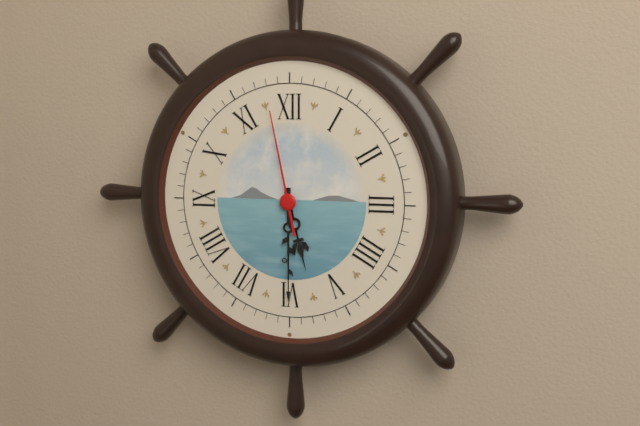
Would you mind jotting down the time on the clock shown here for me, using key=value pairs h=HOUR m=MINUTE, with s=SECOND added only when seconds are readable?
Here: h=5 m=30 s=58
